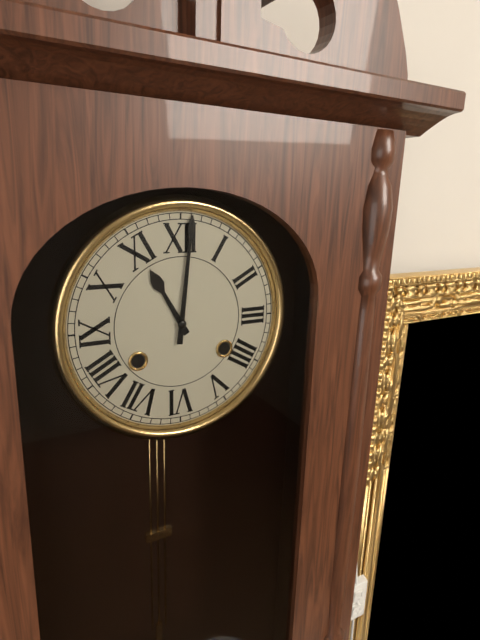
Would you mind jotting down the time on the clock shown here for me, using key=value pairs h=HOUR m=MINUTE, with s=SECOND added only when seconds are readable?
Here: h=11 m=1
